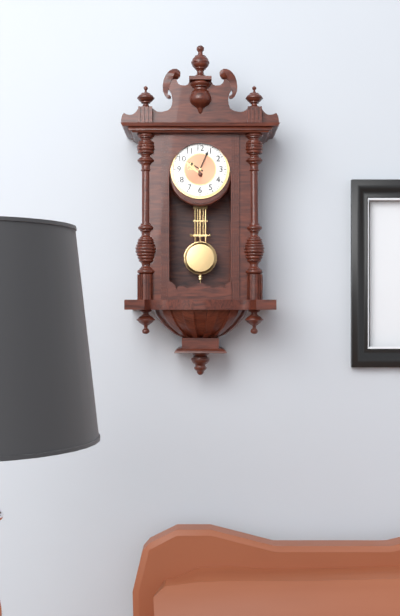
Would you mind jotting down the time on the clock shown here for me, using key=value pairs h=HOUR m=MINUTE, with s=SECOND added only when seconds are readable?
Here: h=10 m=4
